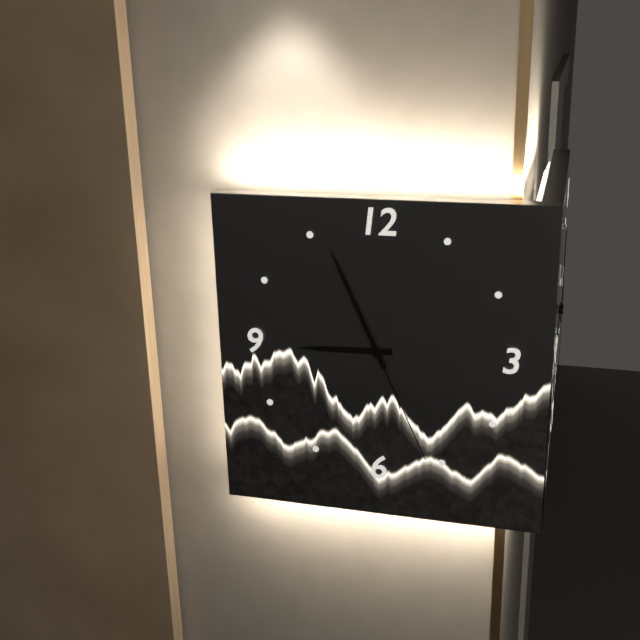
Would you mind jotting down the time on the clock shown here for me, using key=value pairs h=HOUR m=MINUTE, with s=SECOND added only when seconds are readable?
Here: h=8 m=56 s=26
